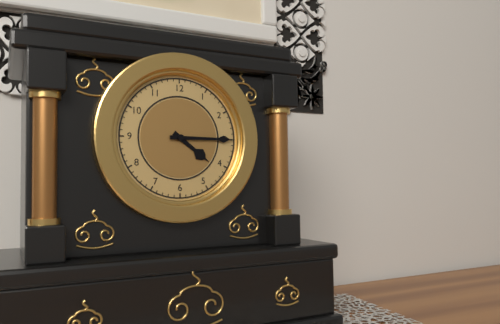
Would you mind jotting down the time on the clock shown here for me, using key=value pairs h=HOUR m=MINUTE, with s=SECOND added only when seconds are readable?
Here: h=4 m=15
